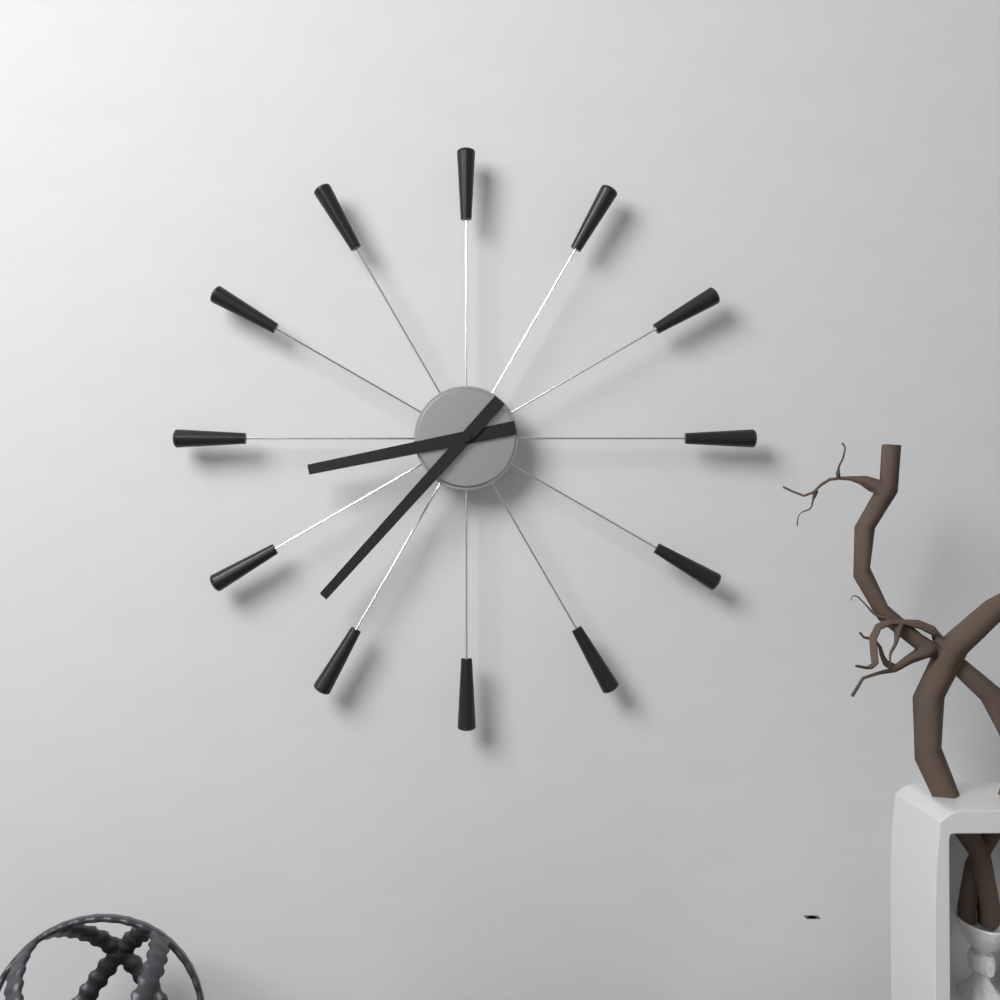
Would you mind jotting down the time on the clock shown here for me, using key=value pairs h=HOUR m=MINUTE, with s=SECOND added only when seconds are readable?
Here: h=8 m=37
